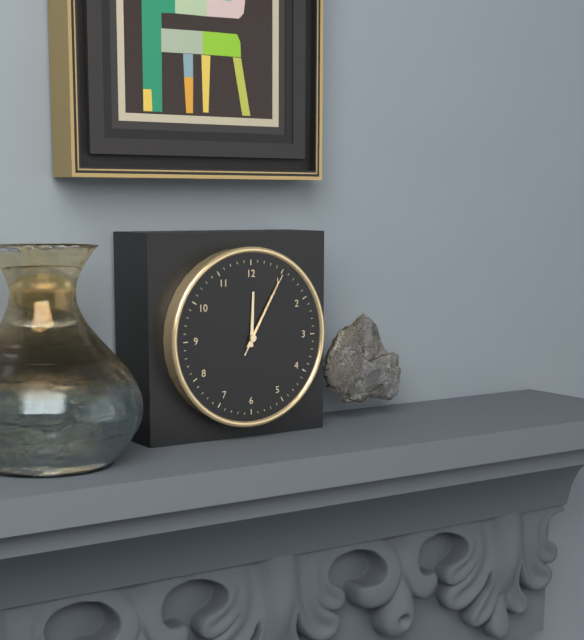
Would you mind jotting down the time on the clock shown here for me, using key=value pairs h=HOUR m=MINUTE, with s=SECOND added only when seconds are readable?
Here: h=12 m=5 s=5
